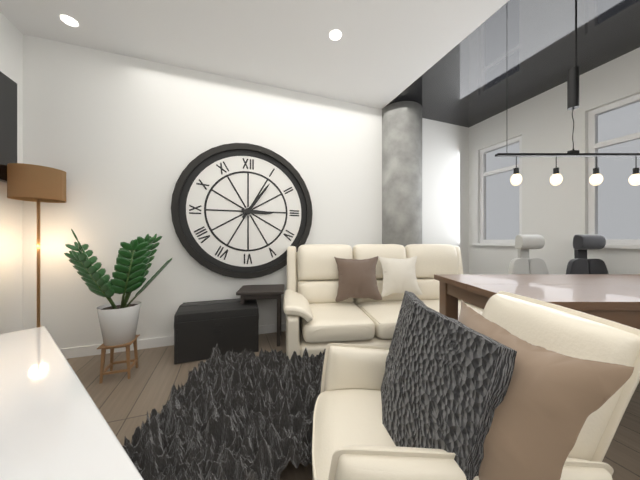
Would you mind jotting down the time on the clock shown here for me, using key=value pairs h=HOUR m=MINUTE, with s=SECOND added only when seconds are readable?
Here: h=3 m=6
